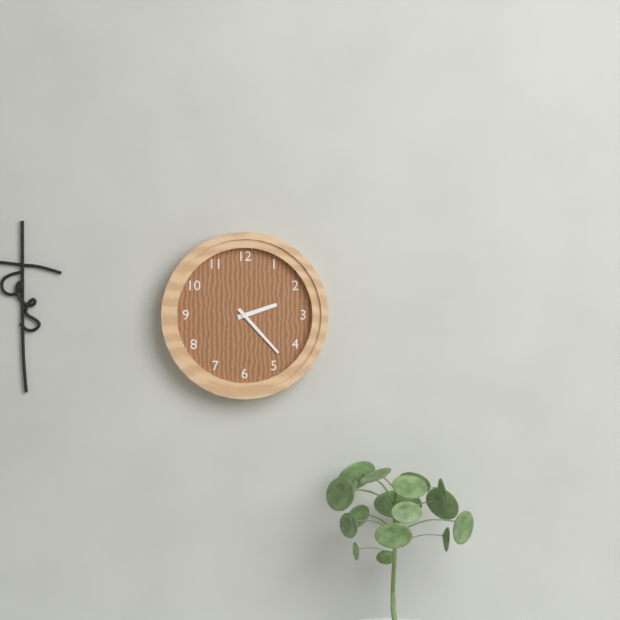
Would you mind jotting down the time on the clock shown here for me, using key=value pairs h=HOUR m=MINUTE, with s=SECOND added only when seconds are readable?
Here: h=2 m=23
